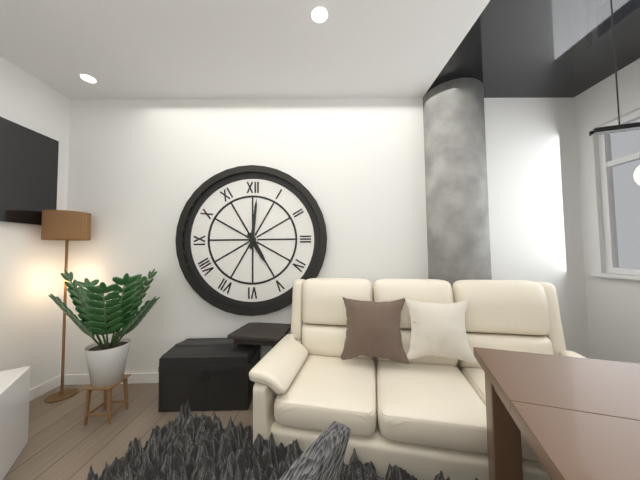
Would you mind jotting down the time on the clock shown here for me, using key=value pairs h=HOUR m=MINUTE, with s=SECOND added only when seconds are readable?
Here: h=5 m=1
